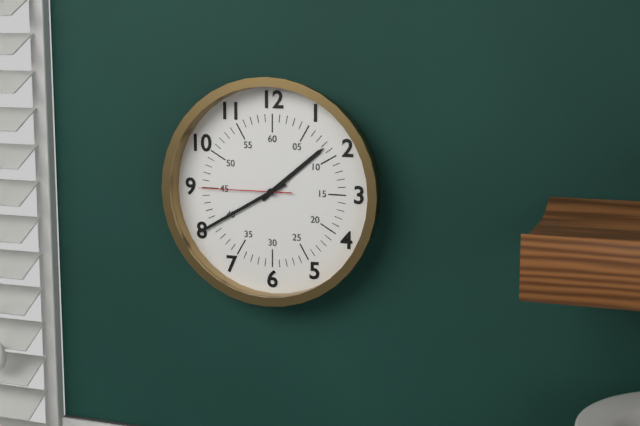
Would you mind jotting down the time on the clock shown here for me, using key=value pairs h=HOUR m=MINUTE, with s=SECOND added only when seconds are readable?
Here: h=1 m=40 s=45
